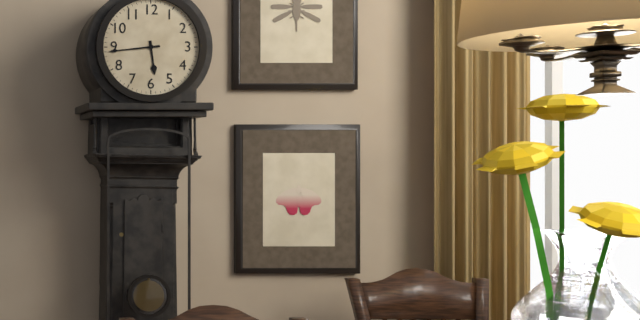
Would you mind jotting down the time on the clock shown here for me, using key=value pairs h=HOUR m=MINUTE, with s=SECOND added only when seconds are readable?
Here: h=5 m=44
